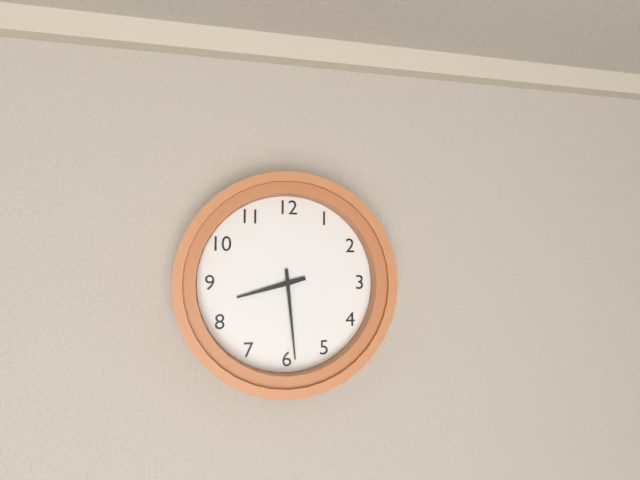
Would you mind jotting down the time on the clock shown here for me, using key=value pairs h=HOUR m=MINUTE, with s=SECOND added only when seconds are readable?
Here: h=8 m=29
